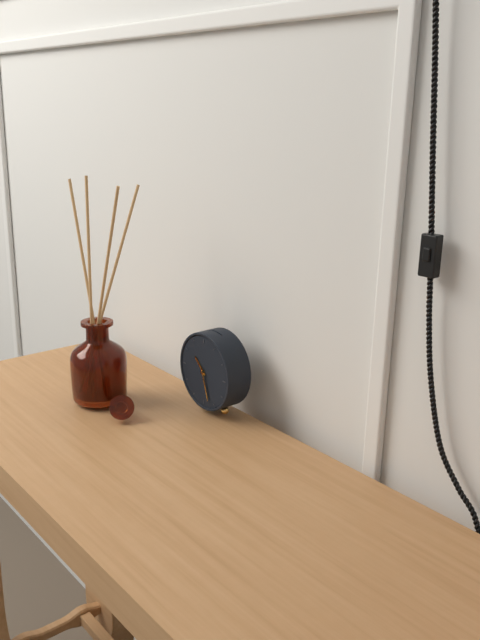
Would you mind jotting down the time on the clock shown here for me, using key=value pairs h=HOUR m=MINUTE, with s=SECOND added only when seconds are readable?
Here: h=10 m=27
